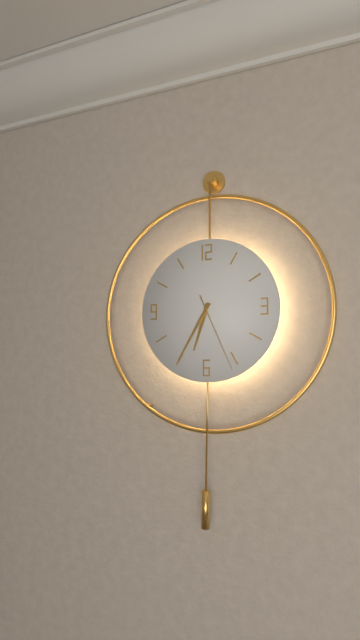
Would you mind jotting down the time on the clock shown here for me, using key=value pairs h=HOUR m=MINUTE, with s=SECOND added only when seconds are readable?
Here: h=6 m=35 s=26
